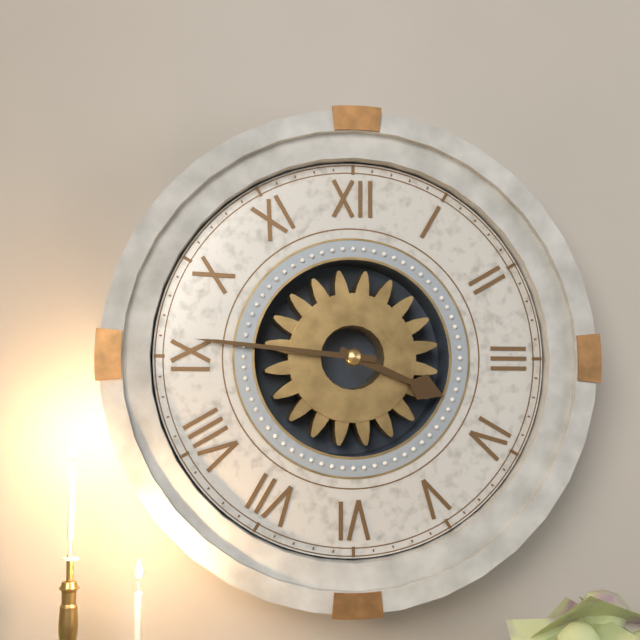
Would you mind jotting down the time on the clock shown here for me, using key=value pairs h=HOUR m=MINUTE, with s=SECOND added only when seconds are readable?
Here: h=3 m=46
